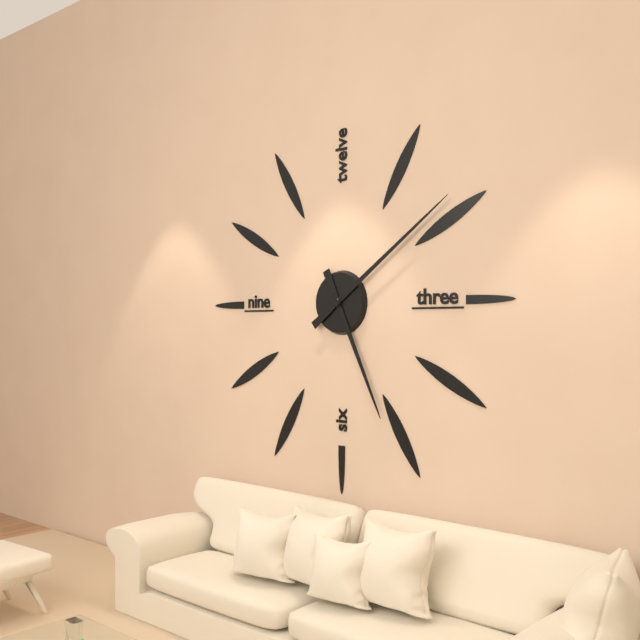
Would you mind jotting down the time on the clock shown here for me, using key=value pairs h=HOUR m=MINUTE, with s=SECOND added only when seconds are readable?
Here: h=5 m=9
